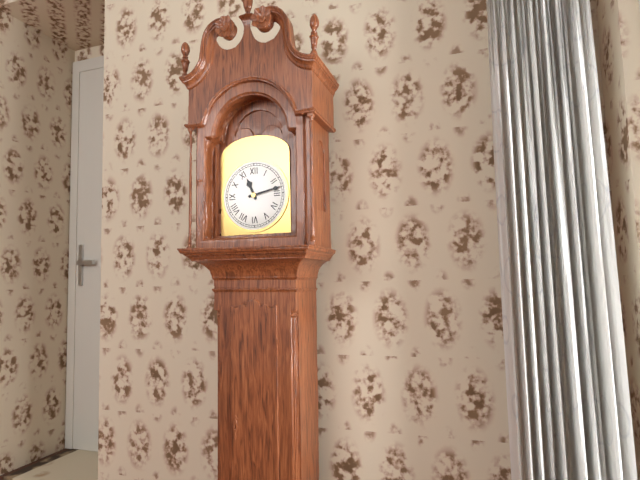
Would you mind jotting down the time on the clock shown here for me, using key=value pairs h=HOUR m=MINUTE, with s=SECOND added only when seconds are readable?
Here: h=11 m=13
